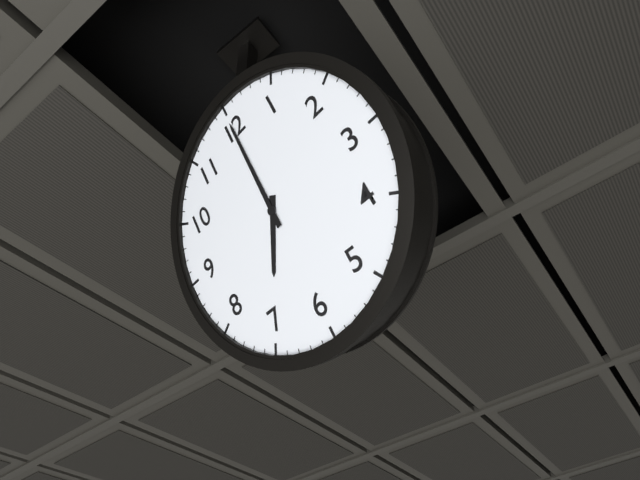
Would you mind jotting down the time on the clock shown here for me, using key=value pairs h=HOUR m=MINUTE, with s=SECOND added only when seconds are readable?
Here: h=7 m=0
